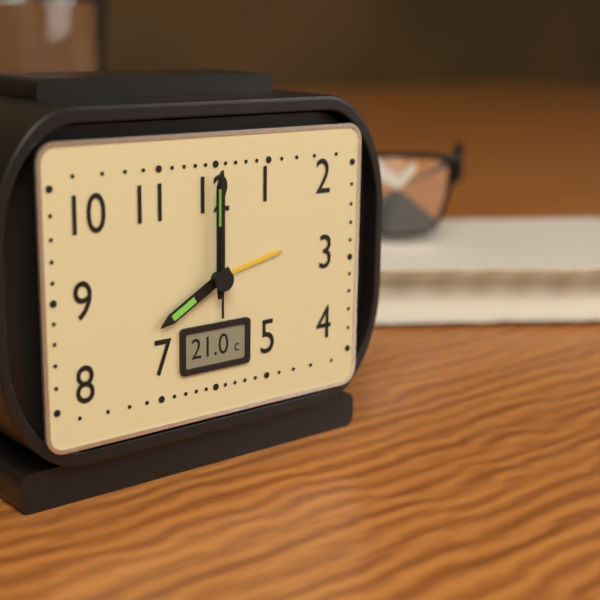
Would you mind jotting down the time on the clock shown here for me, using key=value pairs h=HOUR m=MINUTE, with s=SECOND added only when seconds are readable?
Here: h=8 m=0 s=0
